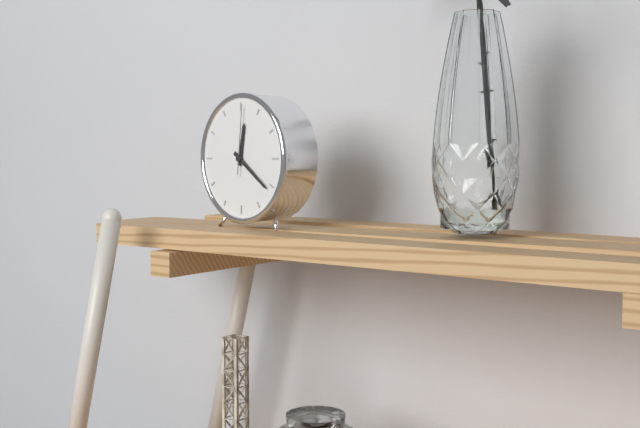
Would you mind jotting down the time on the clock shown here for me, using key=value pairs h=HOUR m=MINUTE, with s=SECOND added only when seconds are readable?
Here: h=12 m=21 s=1
